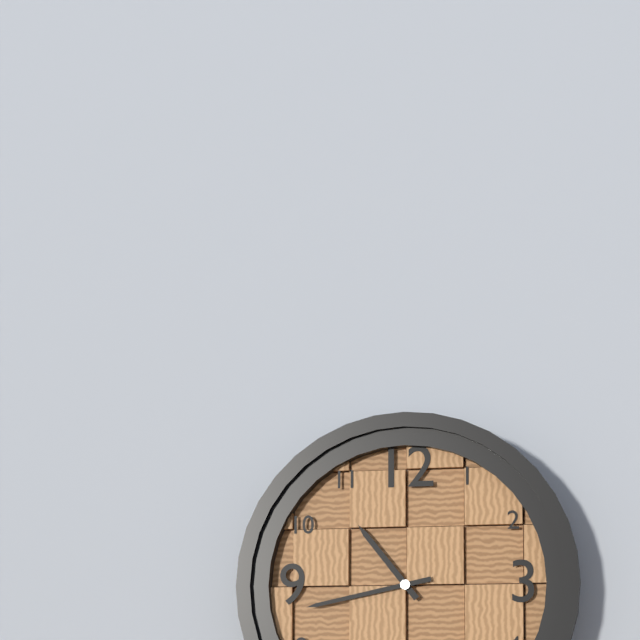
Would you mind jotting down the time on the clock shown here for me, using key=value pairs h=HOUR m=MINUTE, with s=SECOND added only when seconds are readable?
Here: h=10 m=43
